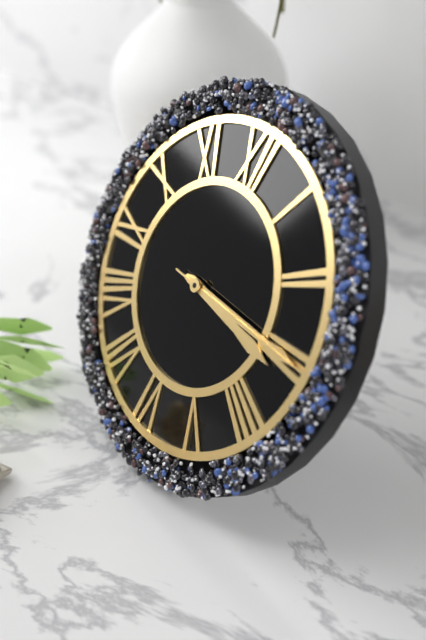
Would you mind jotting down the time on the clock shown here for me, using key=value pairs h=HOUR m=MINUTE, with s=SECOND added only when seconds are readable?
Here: h=3 m=15 s=15
